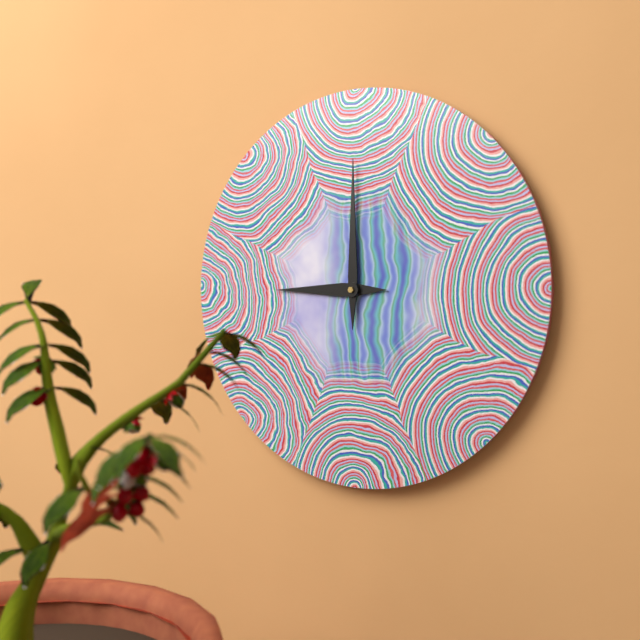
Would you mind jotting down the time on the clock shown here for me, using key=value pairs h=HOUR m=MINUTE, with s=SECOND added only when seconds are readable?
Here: h=9 m=0
